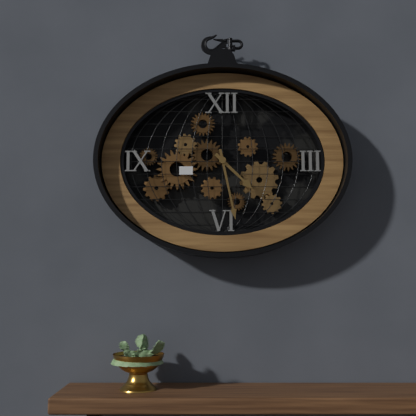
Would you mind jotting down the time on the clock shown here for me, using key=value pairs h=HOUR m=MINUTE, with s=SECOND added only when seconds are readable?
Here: h=4 m=28
